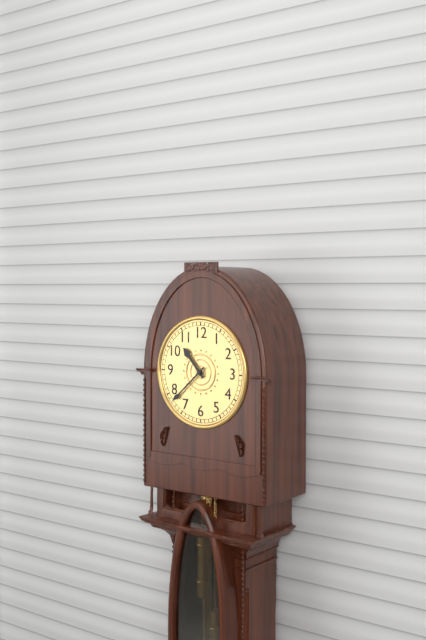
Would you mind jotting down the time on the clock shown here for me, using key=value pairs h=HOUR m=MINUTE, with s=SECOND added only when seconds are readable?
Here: h=10 m=38
